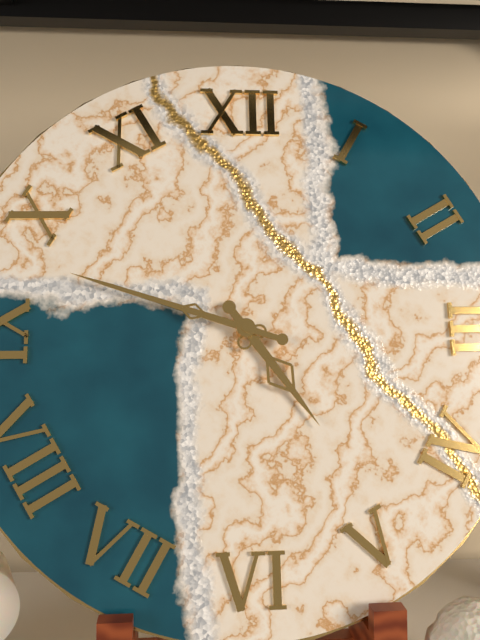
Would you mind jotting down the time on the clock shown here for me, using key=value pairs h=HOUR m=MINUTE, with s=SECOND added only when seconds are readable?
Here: h=4 m=48
